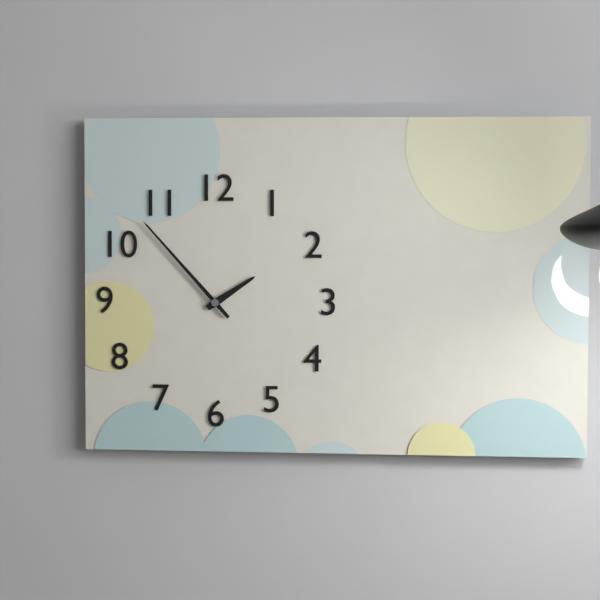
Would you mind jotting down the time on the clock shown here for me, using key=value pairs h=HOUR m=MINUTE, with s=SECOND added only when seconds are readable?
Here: h=1 m=53
